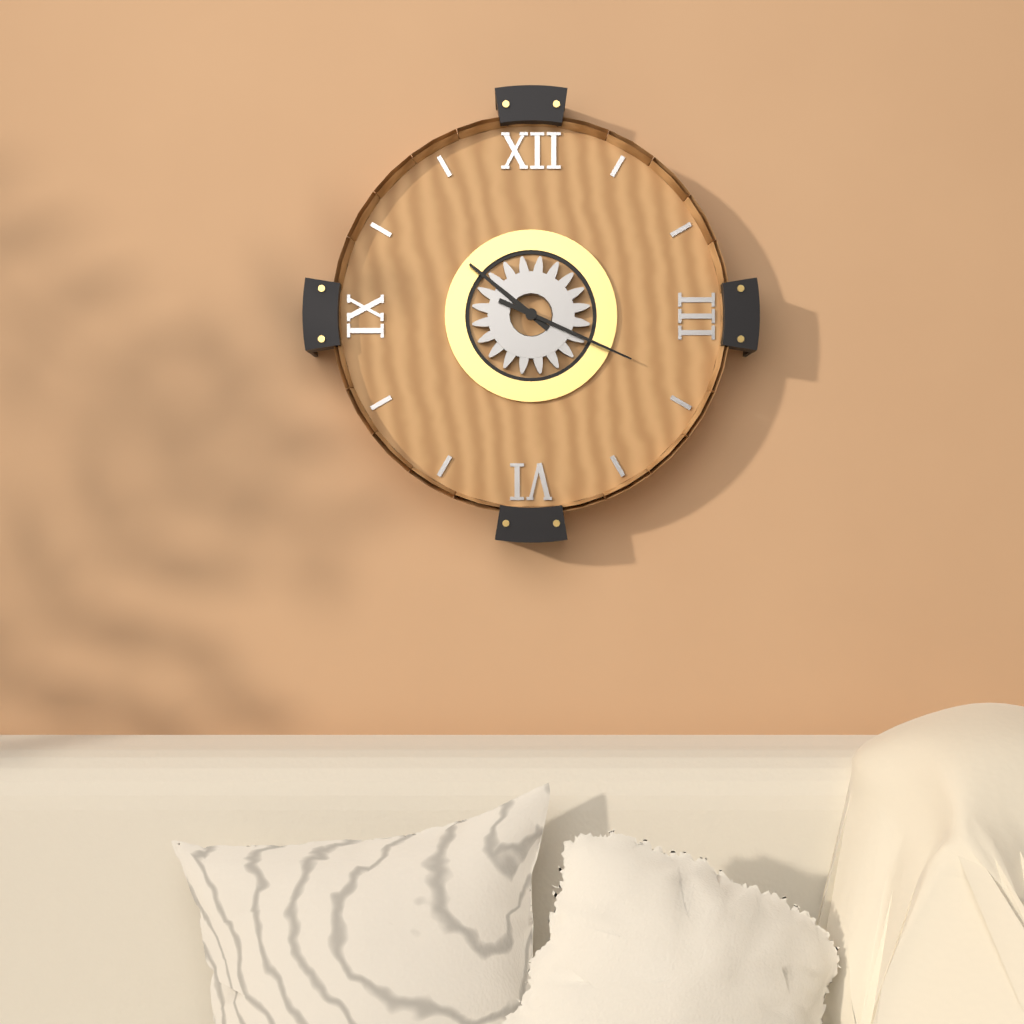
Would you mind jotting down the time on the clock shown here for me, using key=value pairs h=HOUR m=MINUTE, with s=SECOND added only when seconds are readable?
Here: h=10 m=19
